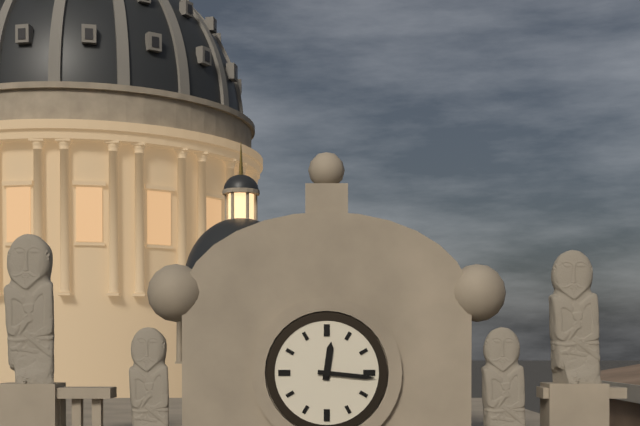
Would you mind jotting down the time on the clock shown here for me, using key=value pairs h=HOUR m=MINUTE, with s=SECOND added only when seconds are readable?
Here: h=12 m=16
